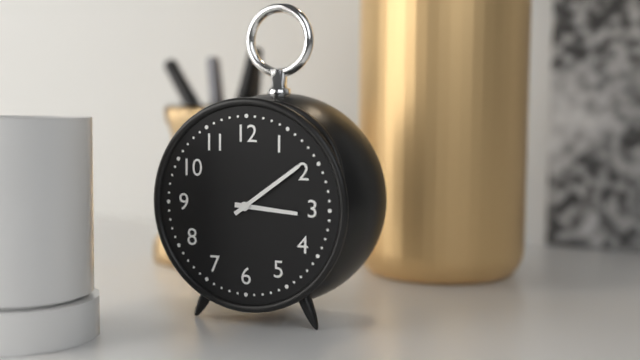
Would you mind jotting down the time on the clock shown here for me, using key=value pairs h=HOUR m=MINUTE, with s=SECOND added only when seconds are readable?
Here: h=3 m=9
